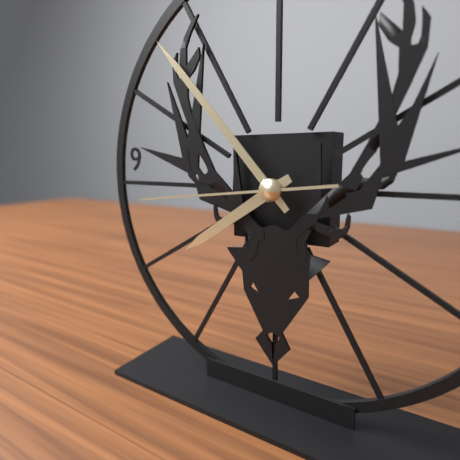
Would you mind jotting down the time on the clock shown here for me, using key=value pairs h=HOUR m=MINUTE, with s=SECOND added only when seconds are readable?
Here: h=7 m=53 s=44
